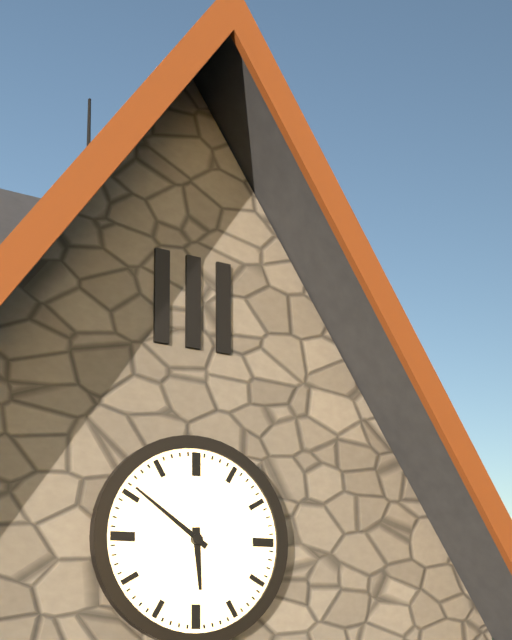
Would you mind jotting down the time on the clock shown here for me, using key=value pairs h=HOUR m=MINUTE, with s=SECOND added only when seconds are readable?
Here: h=5 m=51
